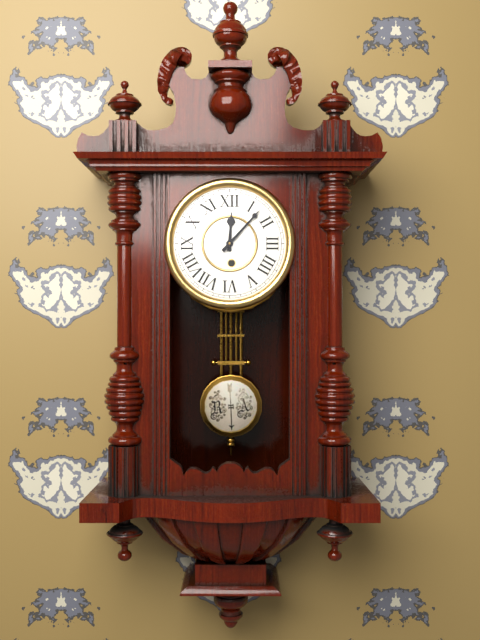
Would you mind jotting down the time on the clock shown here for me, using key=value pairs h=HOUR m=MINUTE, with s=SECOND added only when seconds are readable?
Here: h=12 m=7
